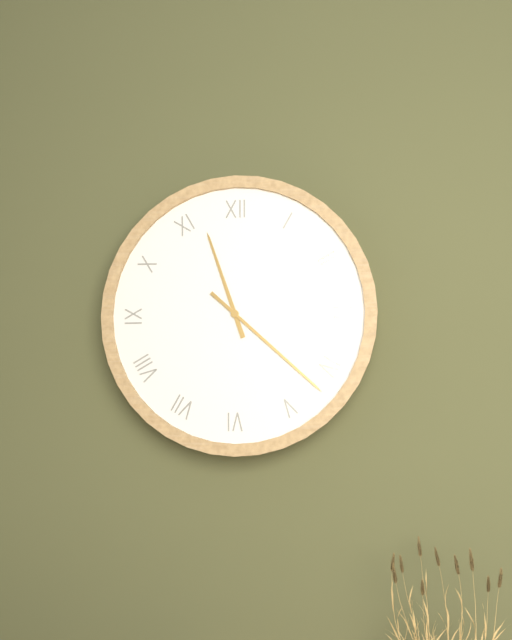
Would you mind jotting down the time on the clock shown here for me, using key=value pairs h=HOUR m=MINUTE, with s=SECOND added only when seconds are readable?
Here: h=11 m=22
